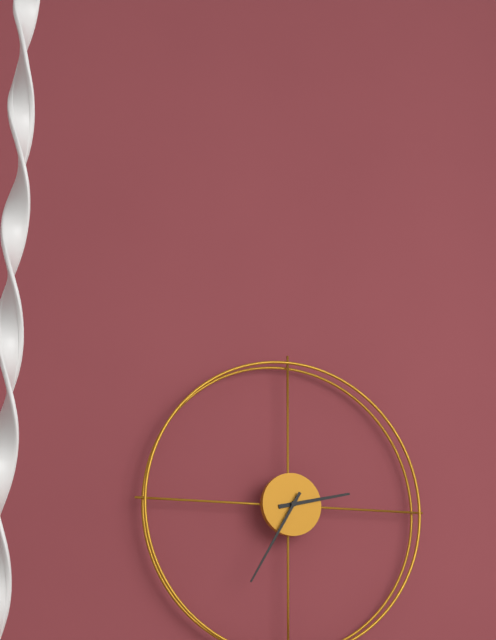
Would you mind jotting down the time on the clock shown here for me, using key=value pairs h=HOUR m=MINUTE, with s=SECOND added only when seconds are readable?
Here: h=2 m=35
